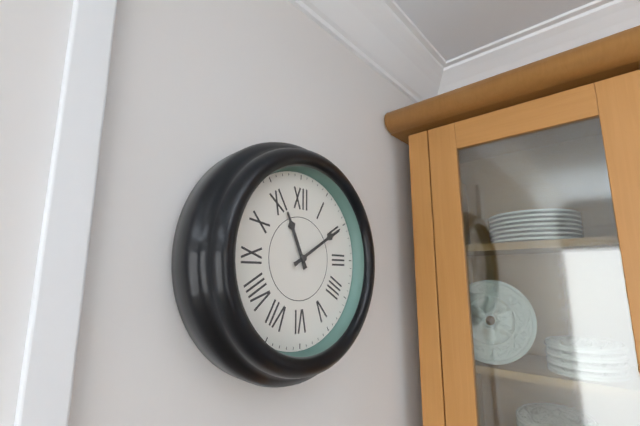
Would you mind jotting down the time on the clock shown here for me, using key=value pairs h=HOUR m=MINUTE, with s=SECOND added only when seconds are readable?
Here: h=11 m=10
